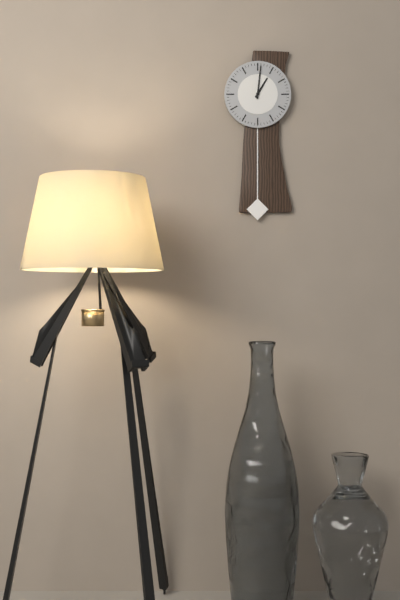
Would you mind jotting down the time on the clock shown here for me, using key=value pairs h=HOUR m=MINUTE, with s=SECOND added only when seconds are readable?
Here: h=1 m=1
